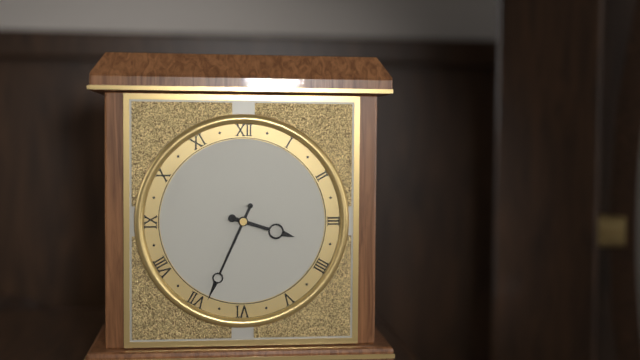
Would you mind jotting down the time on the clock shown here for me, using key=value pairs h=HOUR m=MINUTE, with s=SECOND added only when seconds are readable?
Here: h=3 m=34
